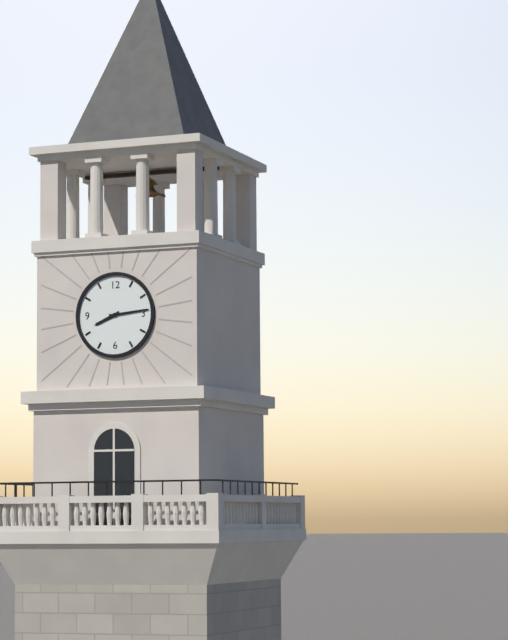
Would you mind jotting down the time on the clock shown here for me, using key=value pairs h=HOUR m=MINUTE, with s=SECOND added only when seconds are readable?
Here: h=8 m=14
